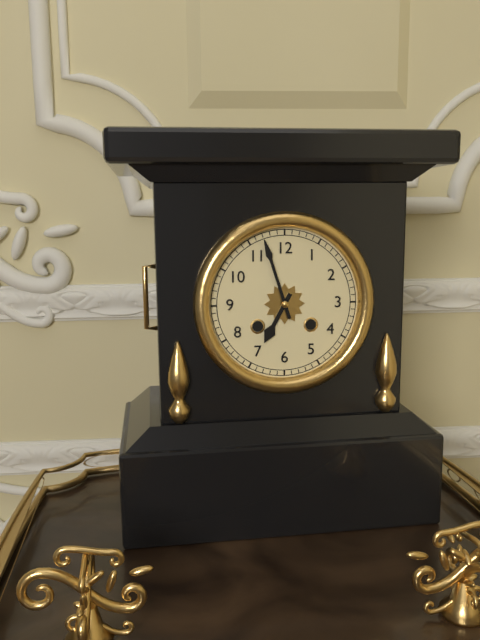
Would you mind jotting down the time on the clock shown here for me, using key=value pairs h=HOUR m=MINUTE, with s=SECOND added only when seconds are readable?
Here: h=6 m=57
